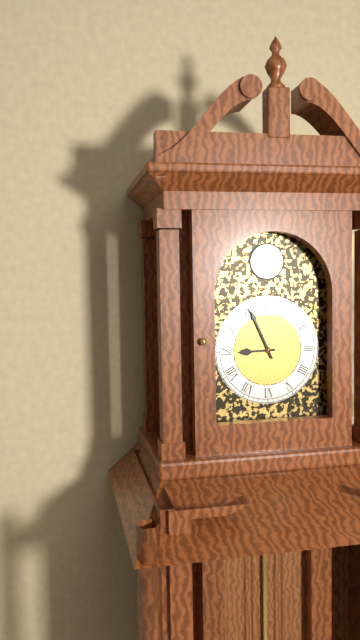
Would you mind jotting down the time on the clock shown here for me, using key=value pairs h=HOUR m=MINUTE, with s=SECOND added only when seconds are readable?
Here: h=8 m=56
